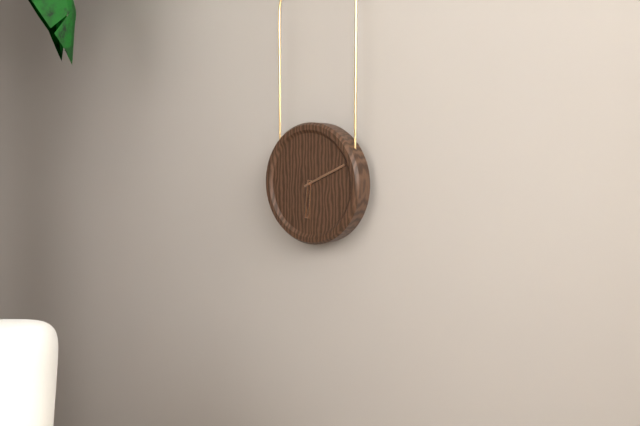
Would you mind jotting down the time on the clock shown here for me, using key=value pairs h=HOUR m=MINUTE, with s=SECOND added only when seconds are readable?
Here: h=6 m=11
